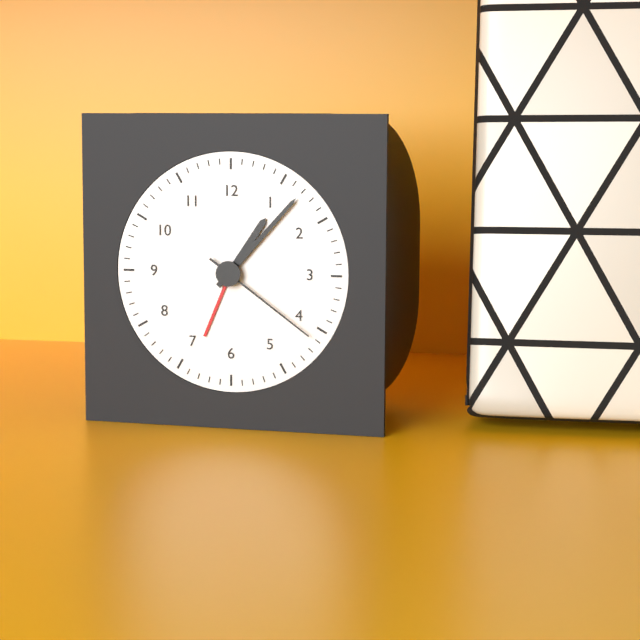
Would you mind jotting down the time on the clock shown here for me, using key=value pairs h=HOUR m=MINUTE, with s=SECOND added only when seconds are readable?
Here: h=1 m=7 s=21
